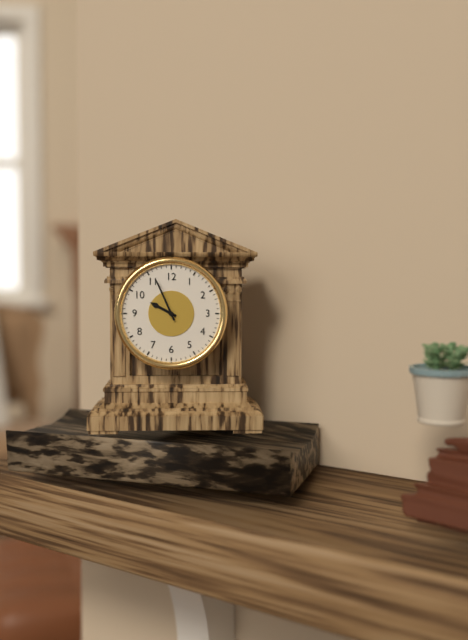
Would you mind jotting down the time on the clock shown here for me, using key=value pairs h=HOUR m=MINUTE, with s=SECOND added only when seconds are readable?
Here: h=9 m=56
